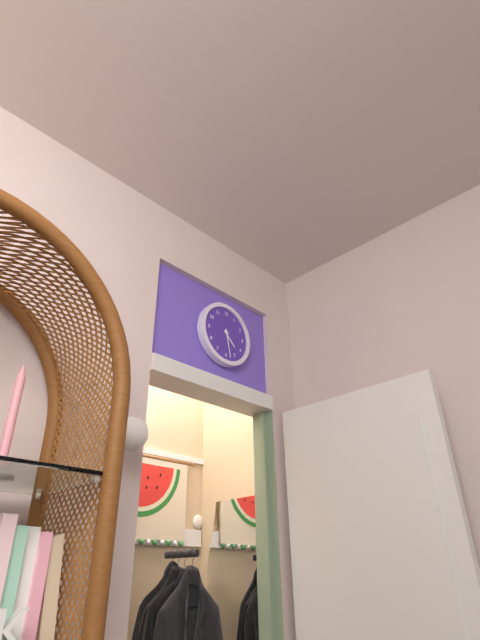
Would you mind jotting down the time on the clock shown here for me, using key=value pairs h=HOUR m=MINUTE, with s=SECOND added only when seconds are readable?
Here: h=4 m=28
